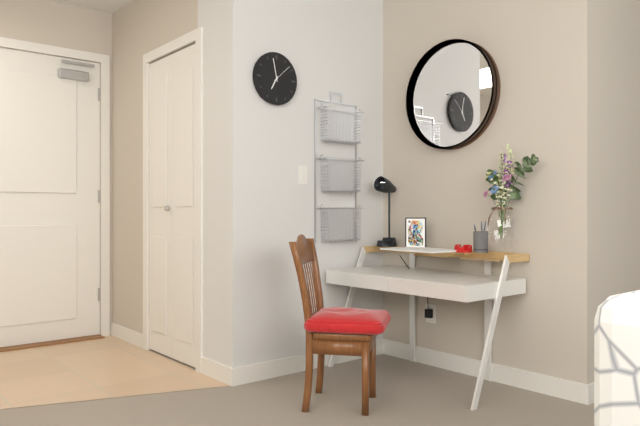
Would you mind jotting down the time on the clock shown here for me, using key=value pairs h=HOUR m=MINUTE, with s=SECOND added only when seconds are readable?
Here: h=6 m=58
